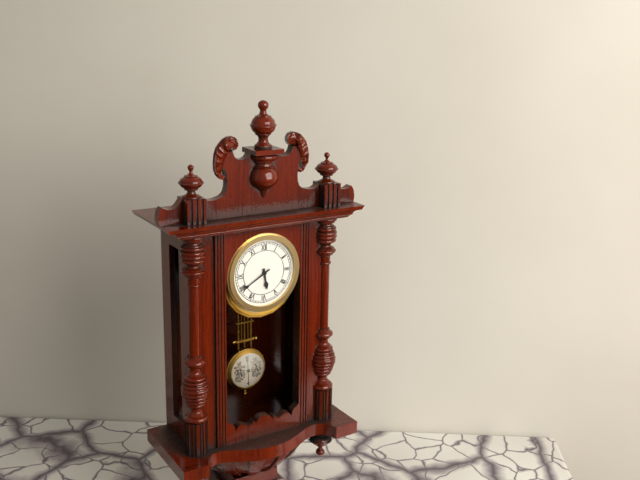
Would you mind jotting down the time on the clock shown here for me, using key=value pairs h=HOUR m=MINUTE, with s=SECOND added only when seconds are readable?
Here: h=5 m=40
